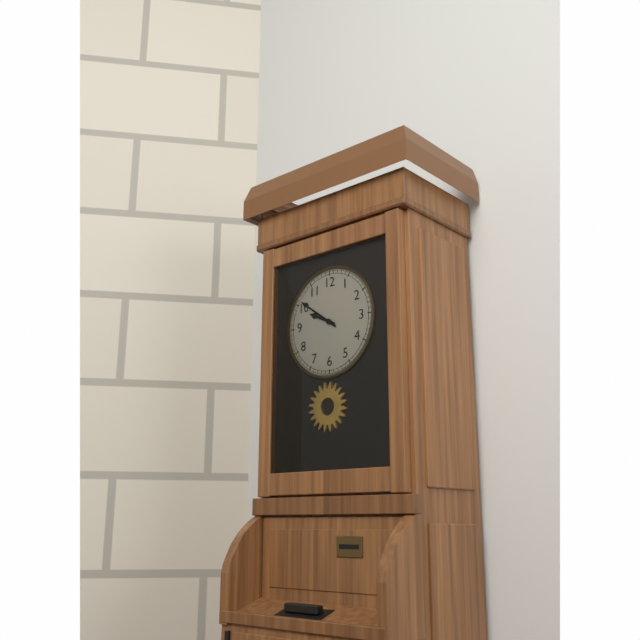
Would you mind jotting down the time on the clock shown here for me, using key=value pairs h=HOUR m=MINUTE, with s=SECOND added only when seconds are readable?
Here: h=9 m=51
